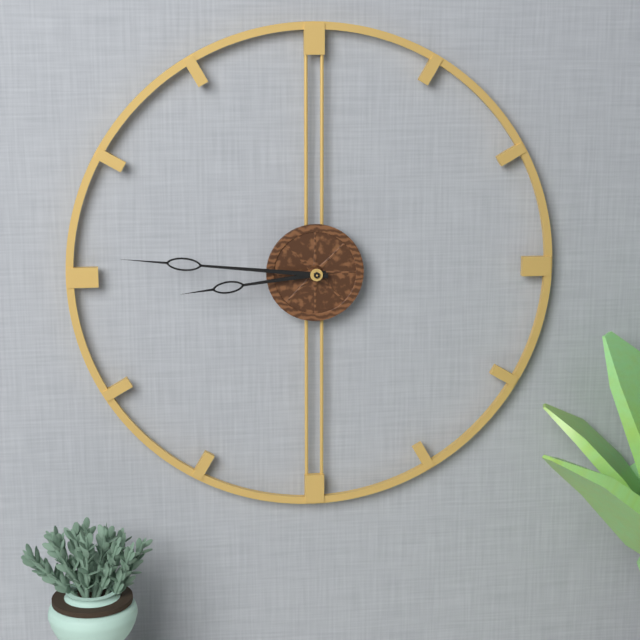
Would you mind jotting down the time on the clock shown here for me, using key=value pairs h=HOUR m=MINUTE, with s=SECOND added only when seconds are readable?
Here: h=8 m=46
